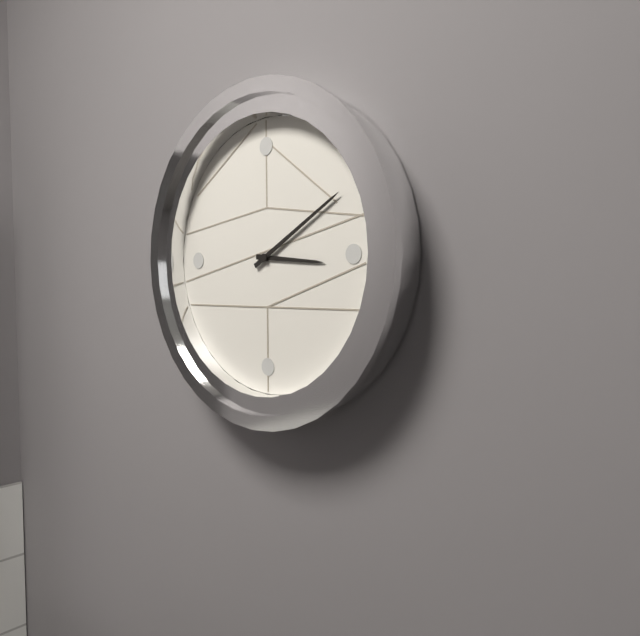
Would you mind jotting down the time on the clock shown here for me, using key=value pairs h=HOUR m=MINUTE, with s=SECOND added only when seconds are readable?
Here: h=3 m=10
